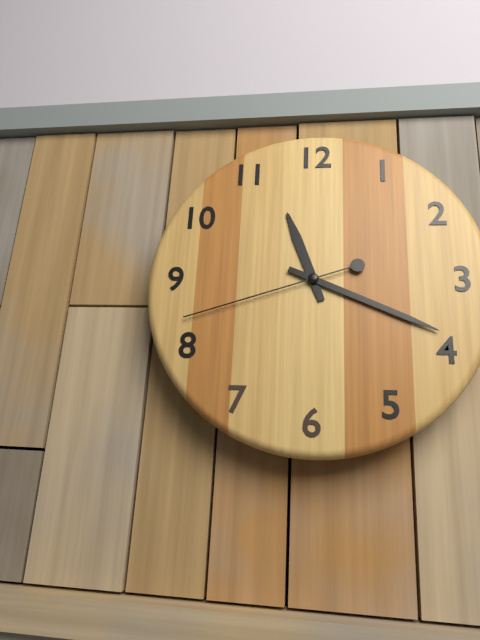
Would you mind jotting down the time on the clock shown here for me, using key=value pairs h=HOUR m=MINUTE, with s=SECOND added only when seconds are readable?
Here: h=11 m=19 s=42
